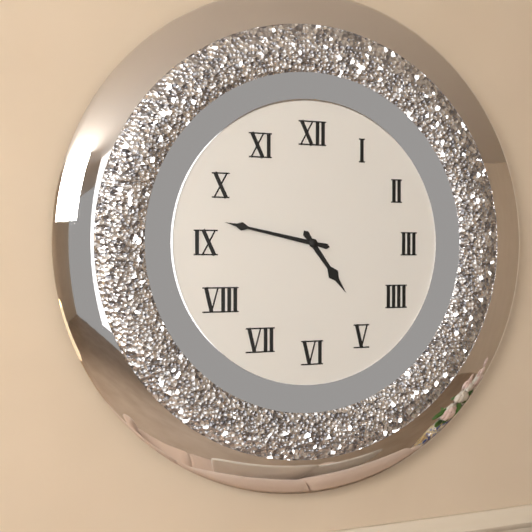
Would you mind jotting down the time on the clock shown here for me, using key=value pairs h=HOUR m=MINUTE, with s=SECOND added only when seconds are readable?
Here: h=4 m=47
